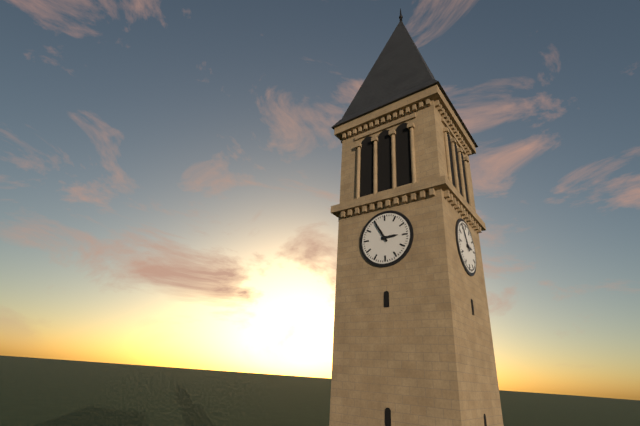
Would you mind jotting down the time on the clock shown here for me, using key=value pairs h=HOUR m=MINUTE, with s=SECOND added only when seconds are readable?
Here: h=2 m=55
